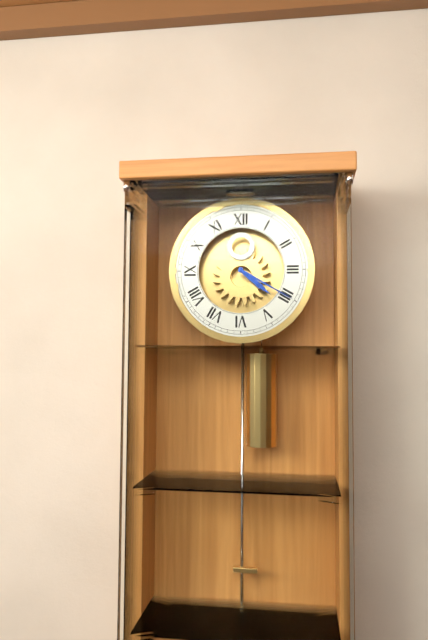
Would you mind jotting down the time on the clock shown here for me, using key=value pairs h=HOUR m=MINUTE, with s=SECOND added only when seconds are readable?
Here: h=4 m=20
